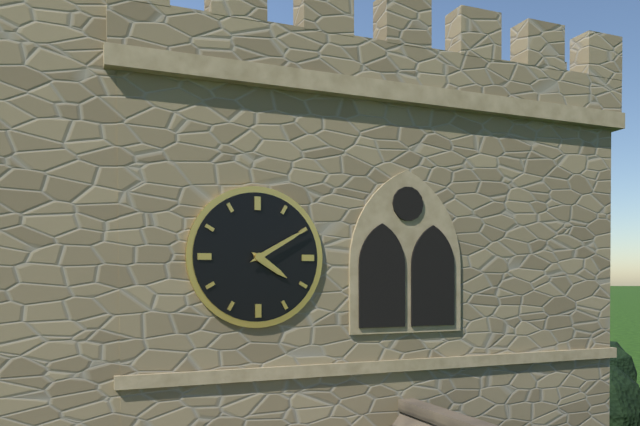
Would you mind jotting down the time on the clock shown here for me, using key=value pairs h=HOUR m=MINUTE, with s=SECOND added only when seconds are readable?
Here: h=4 m=10
